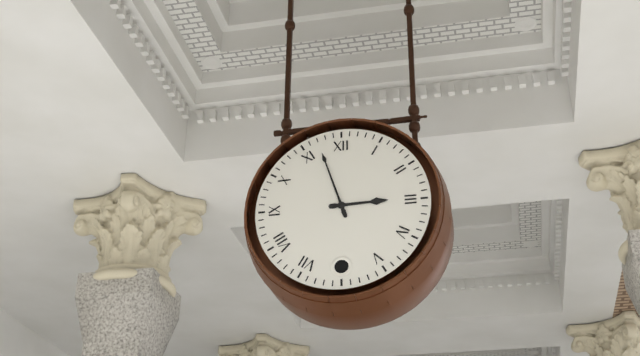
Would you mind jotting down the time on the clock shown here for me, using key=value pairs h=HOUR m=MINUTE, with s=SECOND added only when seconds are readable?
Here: h=2 m=57
